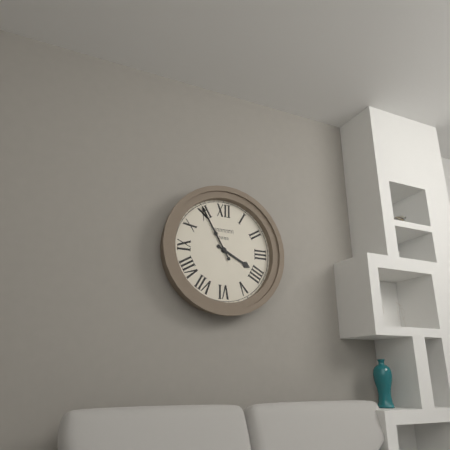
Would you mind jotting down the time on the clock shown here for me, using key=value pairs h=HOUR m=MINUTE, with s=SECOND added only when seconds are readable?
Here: h=3 m=55
